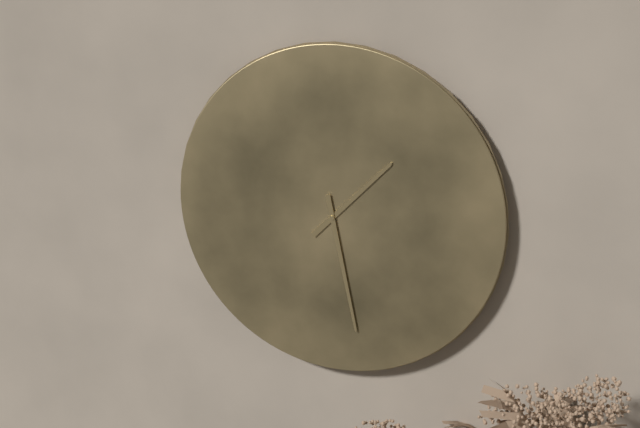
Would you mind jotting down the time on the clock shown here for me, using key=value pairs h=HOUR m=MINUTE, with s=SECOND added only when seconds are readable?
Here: h=1 m=28
